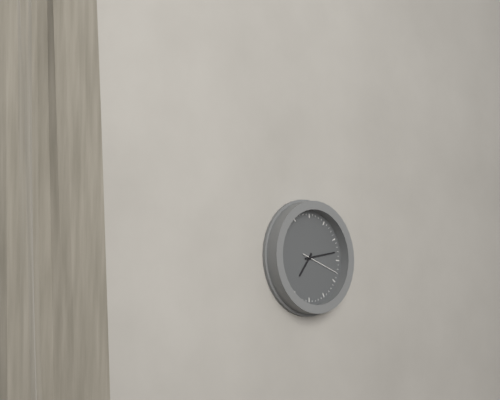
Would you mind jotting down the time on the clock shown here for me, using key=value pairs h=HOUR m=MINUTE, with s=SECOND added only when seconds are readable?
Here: h=7 m=13
